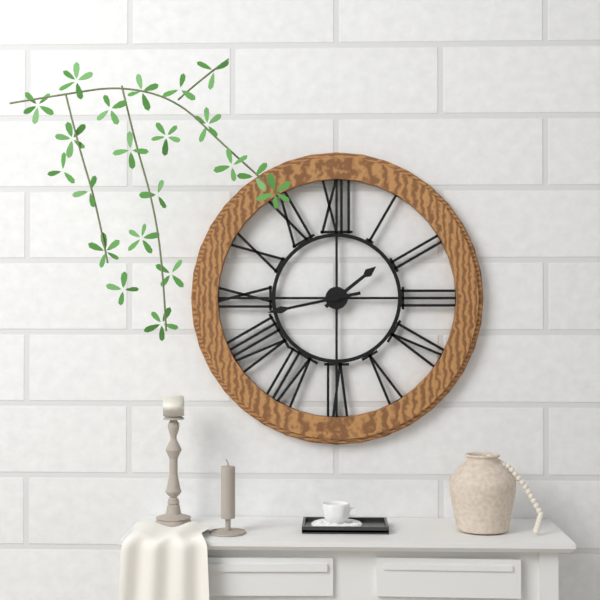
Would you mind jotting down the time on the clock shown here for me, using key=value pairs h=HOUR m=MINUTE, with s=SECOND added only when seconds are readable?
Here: h=1 m=43
